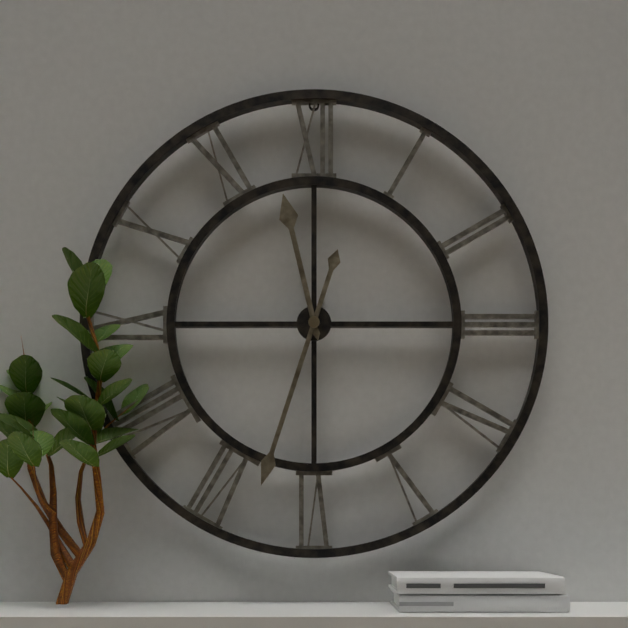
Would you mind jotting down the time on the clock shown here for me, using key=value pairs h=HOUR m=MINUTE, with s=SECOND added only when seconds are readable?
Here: h=11 m=33
